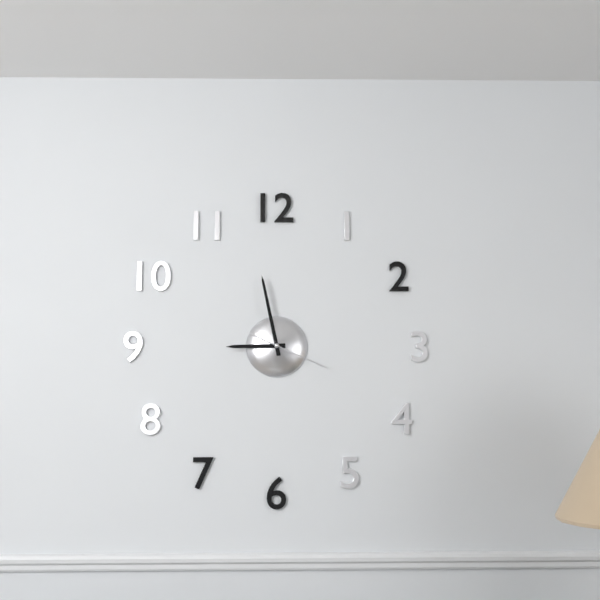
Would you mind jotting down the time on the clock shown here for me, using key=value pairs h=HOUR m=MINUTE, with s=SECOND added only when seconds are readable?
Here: h=8 m=58 s=19
